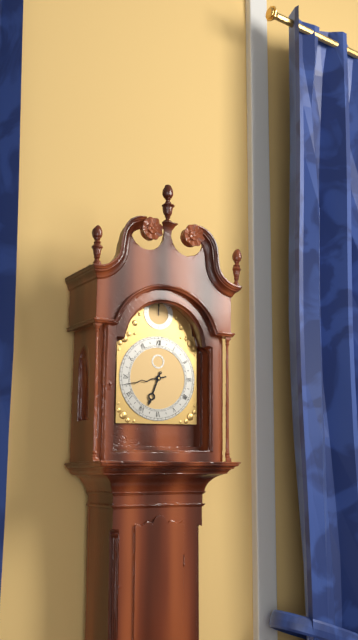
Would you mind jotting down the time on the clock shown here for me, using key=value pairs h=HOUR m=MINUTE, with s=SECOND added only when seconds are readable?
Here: h=6 m=43
